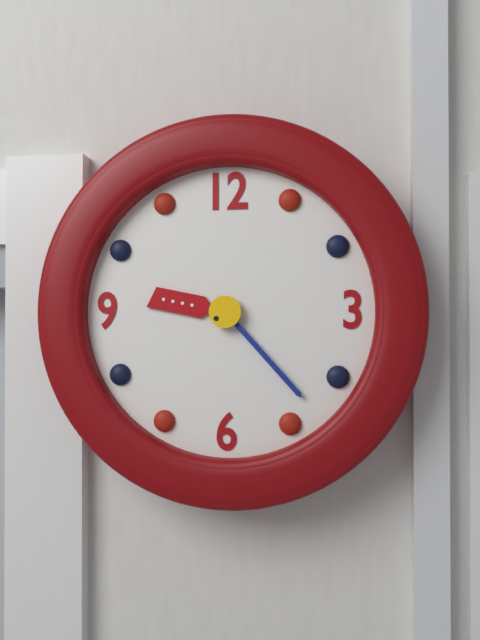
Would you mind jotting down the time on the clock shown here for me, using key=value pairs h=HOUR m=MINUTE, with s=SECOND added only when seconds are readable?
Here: h=9 m=23
